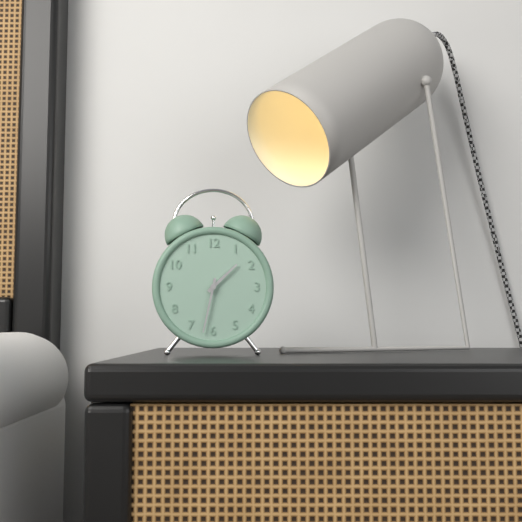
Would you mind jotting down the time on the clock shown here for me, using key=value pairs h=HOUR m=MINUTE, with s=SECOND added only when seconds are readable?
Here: h=1 m=32
